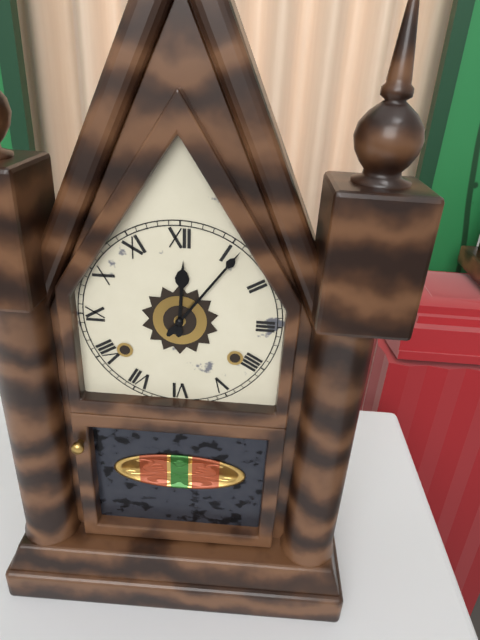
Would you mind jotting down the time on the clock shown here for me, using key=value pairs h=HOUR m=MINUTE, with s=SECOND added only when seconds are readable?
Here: h=12 m=6
